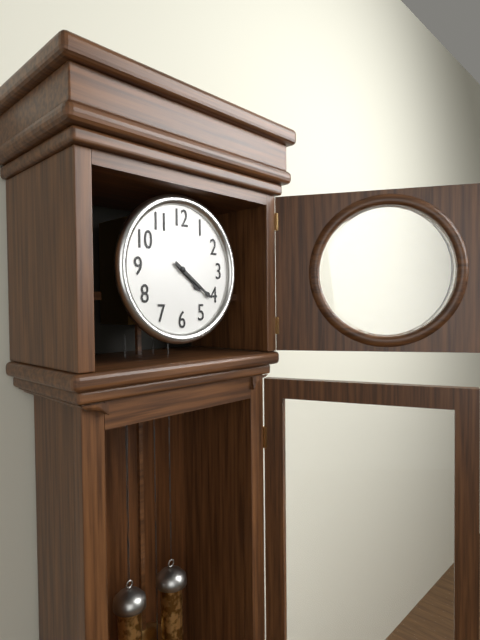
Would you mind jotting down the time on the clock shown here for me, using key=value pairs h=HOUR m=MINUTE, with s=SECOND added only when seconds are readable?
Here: h=4 m=21
